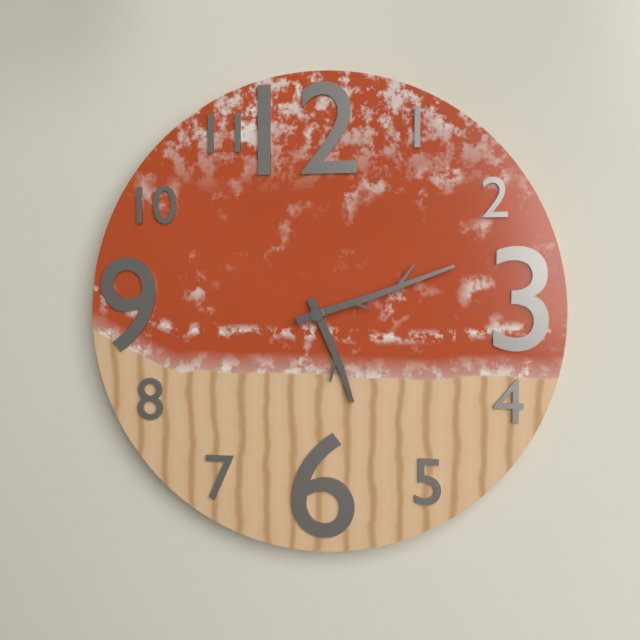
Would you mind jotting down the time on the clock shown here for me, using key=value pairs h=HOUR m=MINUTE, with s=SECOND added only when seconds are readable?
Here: h=5 m=12
